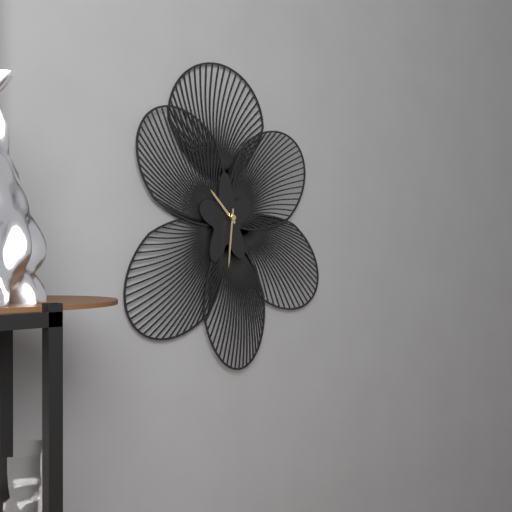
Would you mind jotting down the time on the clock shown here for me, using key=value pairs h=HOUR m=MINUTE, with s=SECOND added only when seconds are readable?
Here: h=10 m=31
